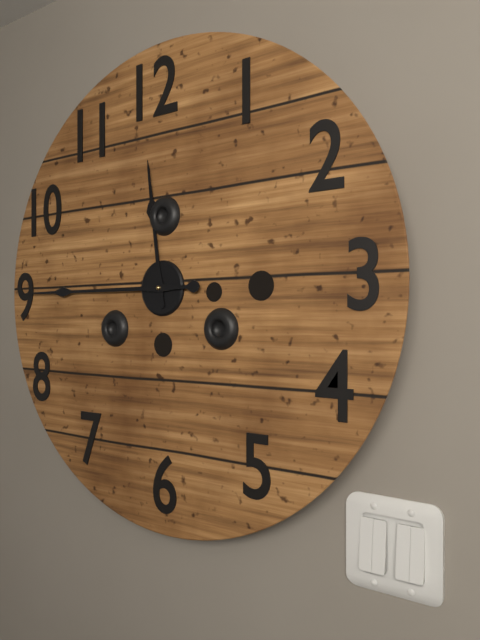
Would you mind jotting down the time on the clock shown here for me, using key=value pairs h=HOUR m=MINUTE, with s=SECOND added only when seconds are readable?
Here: h=11 m=45
